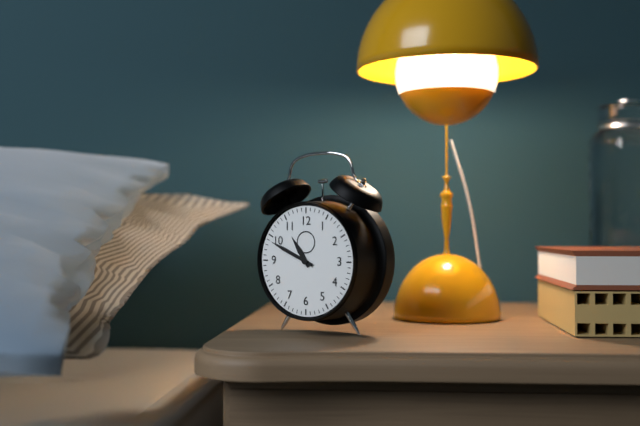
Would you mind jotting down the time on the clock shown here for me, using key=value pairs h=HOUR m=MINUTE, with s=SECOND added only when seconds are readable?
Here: h=10 m=49
